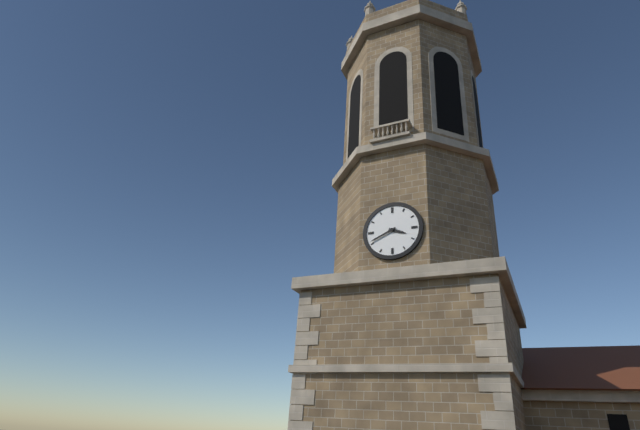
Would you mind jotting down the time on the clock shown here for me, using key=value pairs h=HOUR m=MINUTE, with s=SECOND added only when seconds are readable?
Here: h=3 m=41
